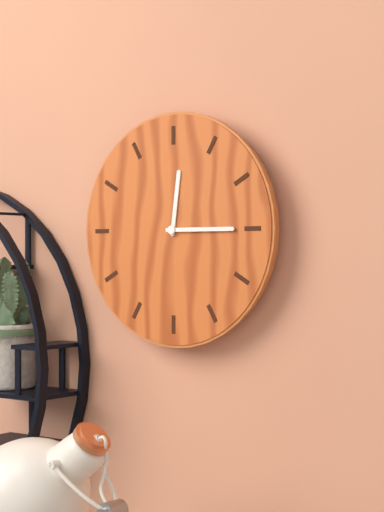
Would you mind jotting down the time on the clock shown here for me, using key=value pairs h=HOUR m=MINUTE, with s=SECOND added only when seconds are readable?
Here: h=12 m=15
